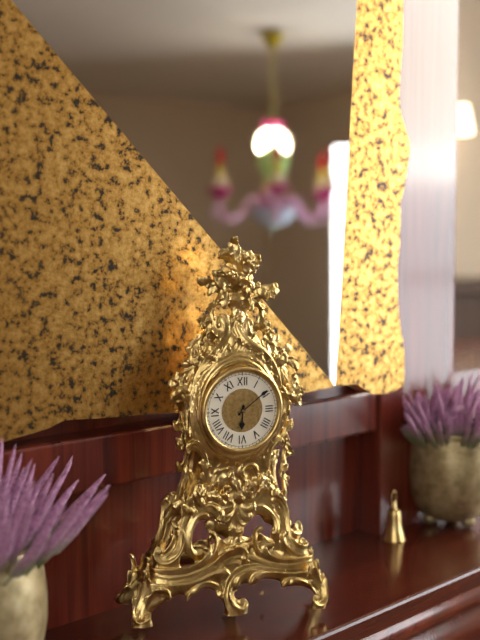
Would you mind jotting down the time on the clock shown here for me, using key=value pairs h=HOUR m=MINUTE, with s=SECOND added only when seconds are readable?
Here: h=6 m=9
